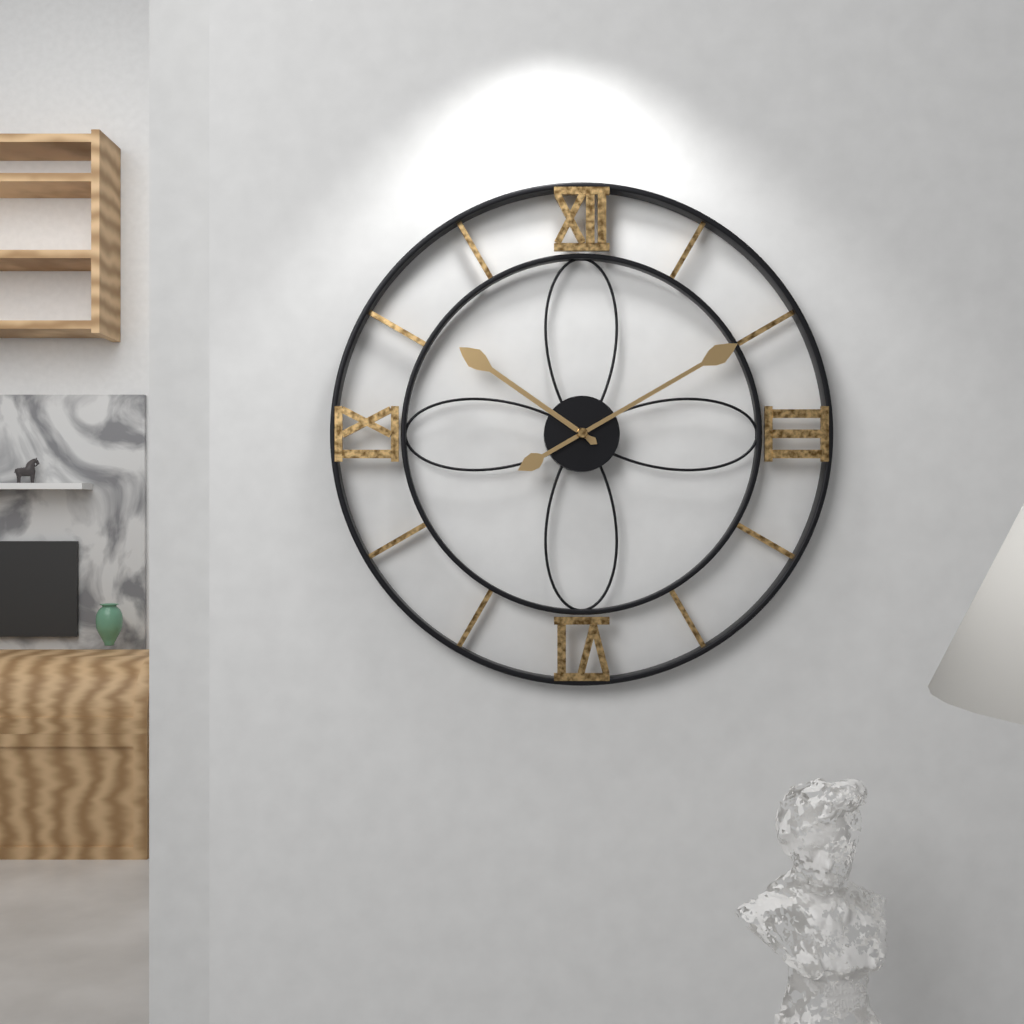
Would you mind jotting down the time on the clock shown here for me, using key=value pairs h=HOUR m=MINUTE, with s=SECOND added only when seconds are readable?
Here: h=10 m=10
